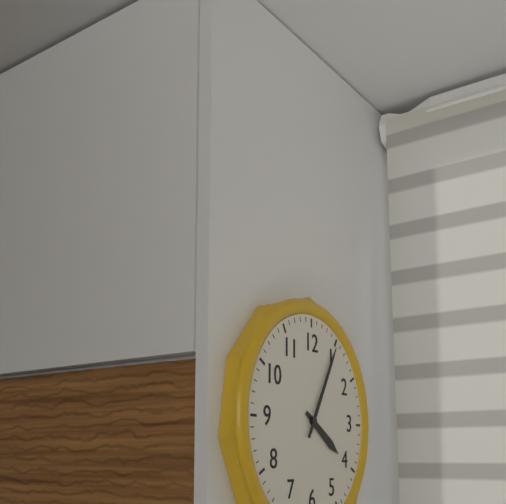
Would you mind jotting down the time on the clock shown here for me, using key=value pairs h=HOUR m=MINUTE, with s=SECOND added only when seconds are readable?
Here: h=4 m=5
